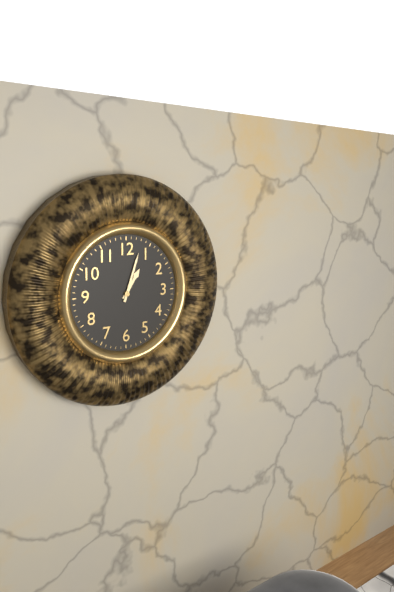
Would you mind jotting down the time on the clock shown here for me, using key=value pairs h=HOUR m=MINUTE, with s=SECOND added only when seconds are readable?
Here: h=1 m=3
